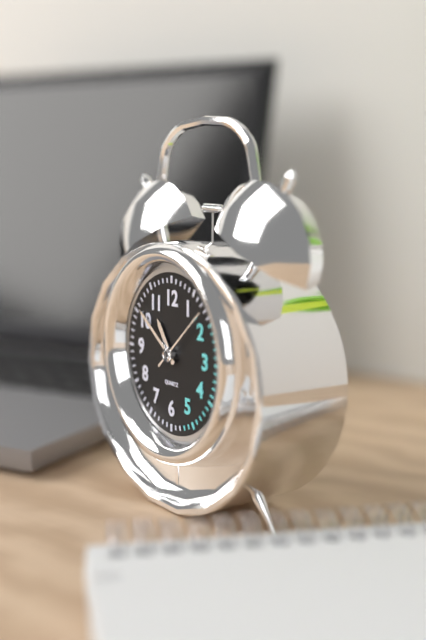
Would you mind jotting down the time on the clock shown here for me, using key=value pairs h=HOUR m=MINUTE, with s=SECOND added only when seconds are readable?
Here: h=10 m=51 s=8
